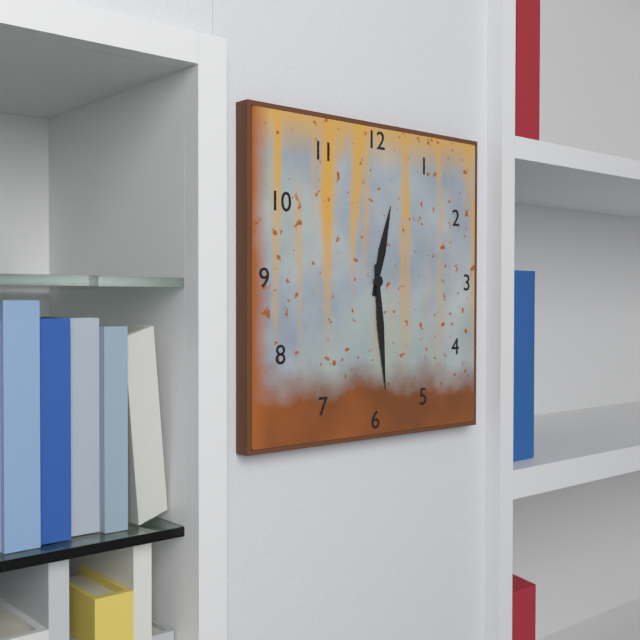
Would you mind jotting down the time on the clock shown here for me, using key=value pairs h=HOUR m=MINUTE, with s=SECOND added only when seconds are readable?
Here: h=12 m=29
